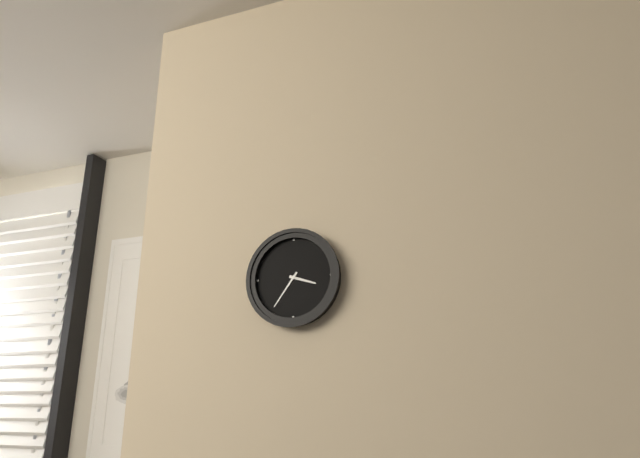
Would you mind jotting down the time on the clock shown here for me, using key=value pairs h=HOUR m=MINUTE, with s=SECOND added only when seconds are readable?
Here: h=3 m=36
